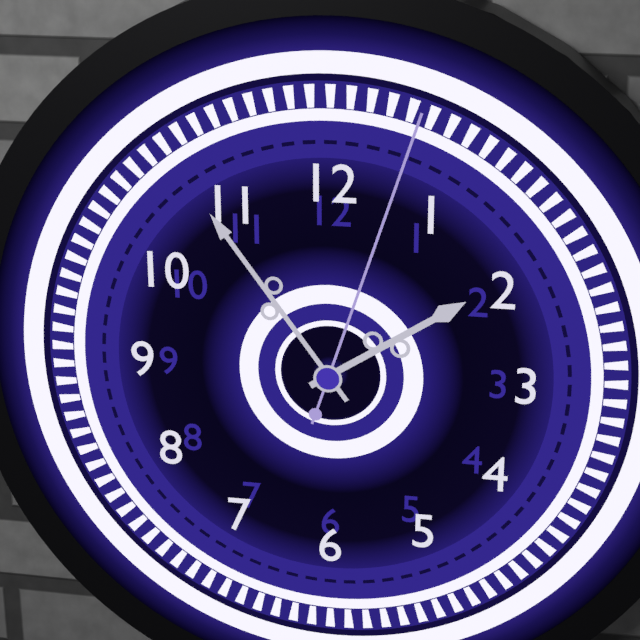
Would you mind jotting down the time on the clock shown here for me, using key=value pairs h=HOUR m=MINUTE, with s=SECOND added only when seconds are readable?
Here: h=1 m=54 s=3
